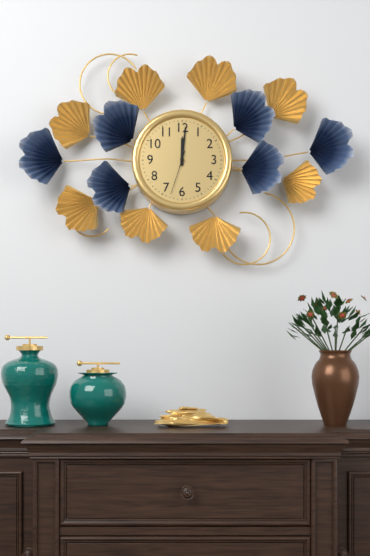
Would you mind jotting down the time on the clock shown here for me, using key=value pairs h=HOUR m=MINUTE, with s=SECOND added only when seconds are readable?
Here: h=12 m=1
